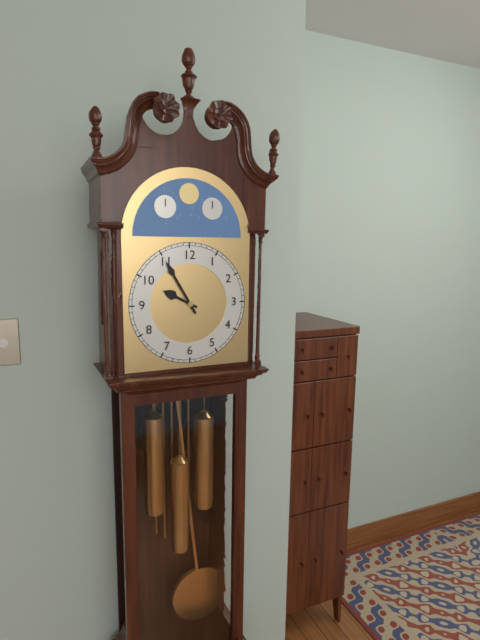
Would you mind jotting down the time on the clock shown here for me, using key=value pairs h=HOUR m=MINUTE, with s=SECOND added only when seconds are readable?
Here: h=9 m=55
